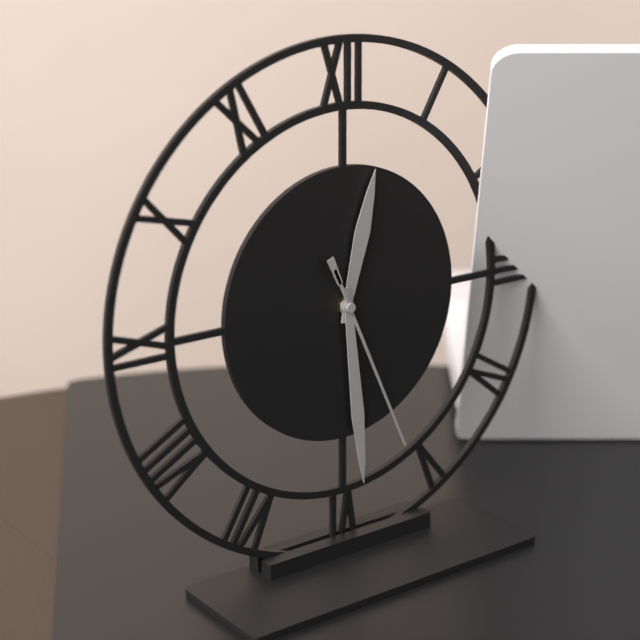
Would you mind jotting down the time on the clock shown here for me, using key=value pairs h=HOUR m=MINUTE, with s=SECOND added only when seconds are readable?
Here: h=12 m=29 s=26
